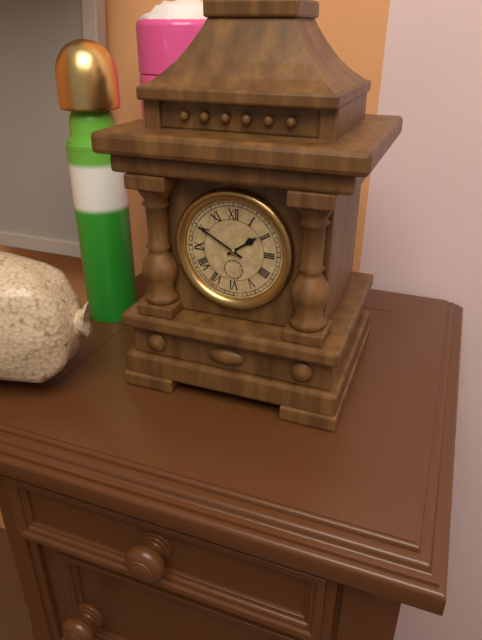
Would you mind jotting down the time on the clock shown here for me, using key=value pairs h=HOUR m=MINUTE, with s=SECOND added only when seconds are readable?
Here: h=1 m=50
